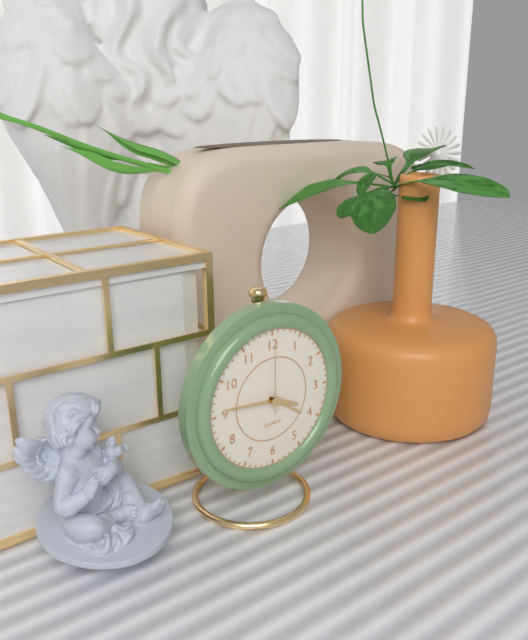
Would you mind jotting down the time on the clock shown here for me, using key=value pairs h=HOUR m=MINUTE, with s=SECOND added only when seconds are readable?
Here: h=3 m=46 s=0
